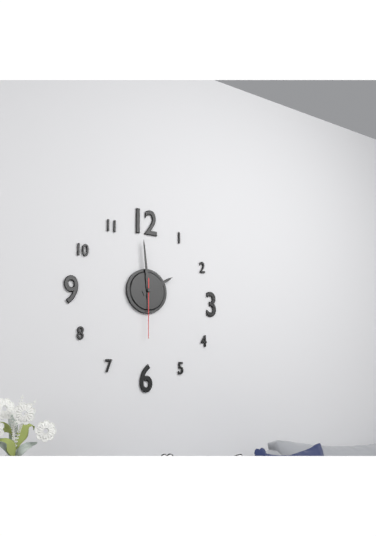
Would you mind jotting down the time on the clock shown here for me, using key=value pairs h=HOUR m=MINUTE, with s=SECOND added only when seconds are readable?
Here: h=1 m=59 s=30
